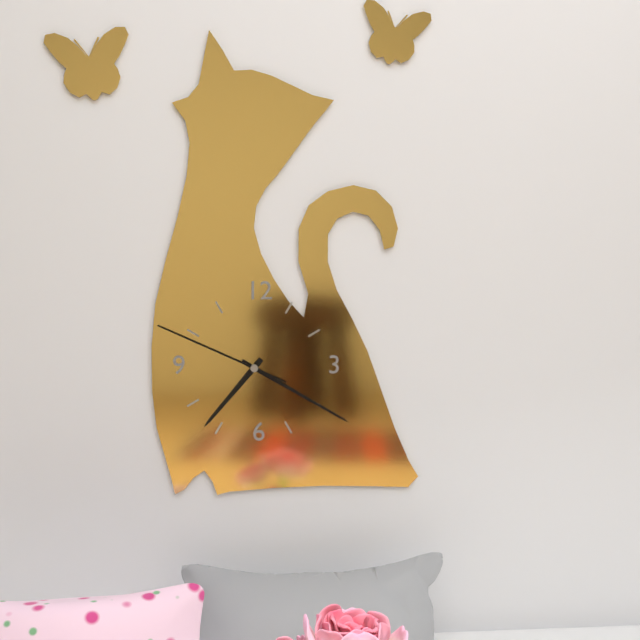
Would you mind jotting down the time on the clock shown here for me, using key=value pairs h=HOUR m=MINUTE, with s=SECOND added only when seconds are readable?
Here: h=7 m=20 s=49
